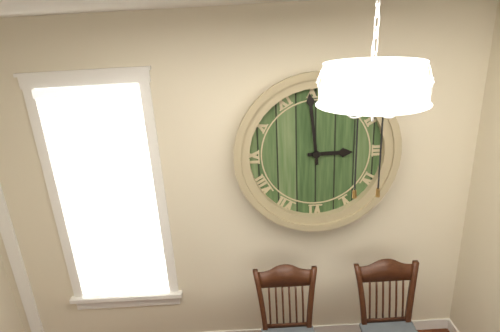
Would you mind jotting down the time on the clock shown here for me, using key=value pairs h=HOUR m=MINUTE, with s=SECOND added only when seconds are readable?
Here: h=2 m=59
